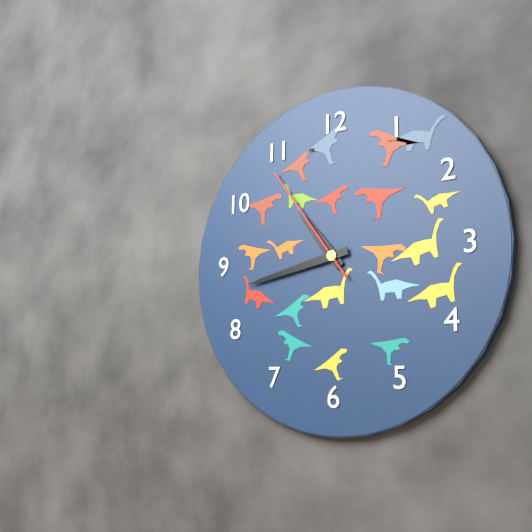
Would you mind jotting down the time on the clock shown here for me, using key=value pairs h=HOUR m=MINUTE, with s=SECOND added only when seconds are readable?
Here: h=10 m=43 s=54
